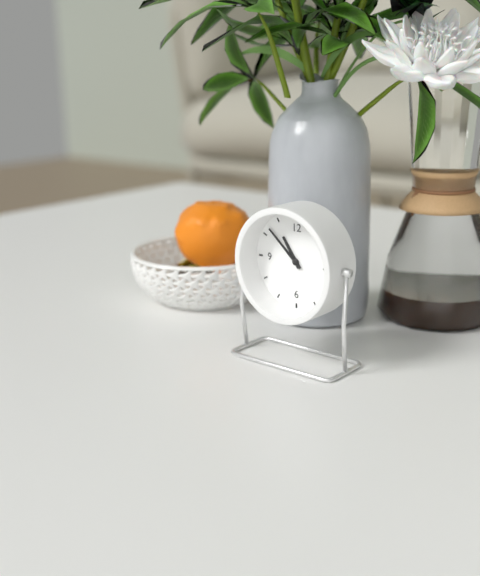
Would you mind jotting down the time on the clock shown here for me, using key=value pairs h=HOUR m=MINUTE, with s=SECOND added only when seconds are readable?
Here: h=10 m=52
